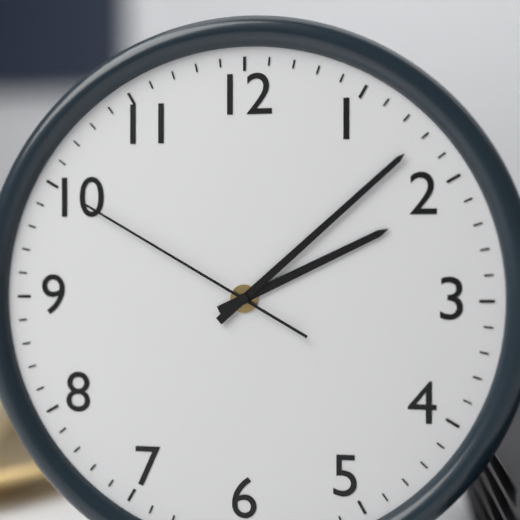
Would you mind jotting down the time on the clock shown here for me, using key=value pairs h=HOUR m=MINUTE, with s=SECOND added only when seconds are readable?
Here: h=2 m=8 s=50
